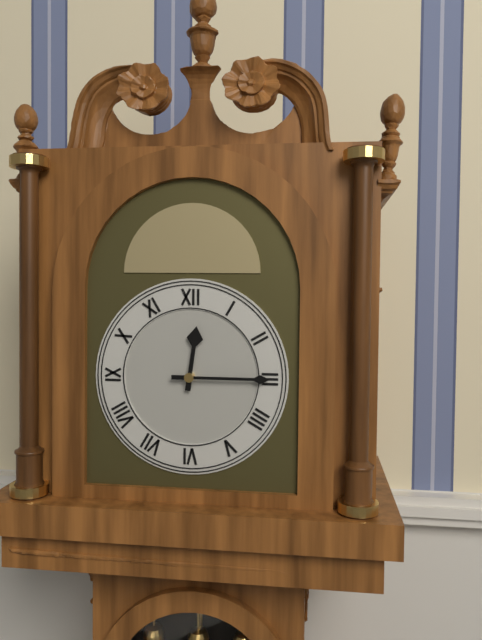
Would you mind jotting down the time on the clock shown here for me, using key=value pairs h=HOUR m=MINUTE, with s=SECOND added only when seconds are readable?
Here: h=12 m=15
